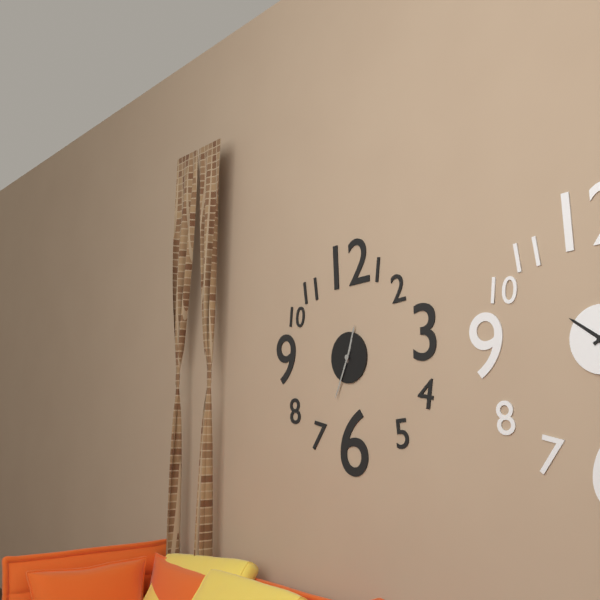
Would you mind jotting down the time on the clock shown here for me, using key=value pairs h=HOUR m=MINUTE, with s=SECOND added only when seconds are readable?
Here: h=12 m=34
